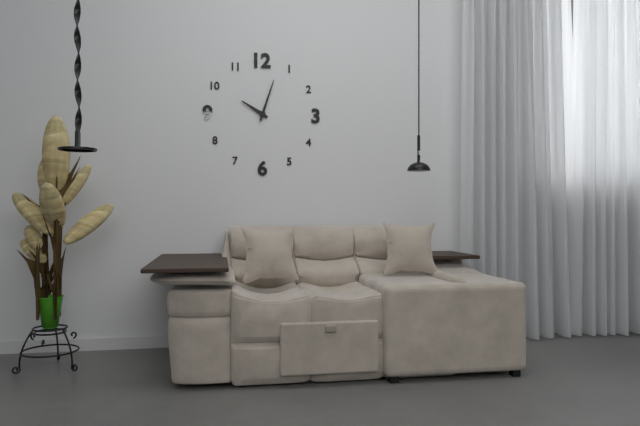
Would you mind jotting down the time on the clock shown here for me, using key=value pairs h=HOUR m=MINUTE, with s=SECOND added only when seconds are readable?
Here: h=10 m=3
